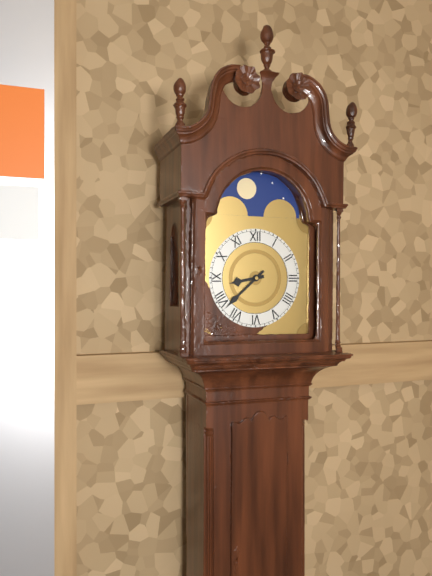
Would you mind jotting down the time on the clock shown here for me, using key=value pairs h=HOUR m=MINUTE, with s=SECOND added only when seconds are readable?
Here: h=8 m=38
